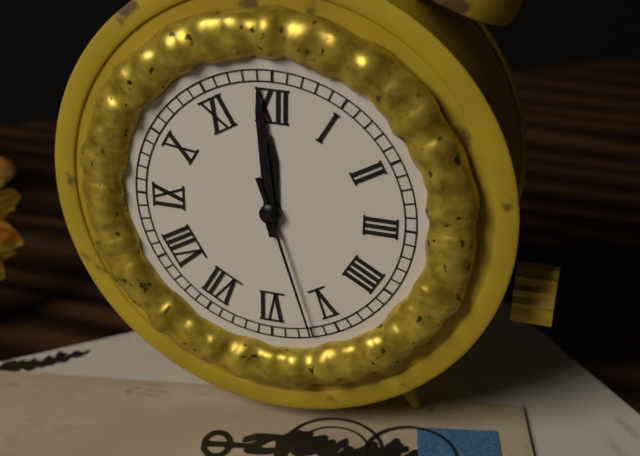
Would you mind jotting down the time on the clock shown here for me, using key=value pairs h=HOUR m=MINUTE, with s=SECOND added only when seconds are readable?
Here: h=11 m=59 s=27
